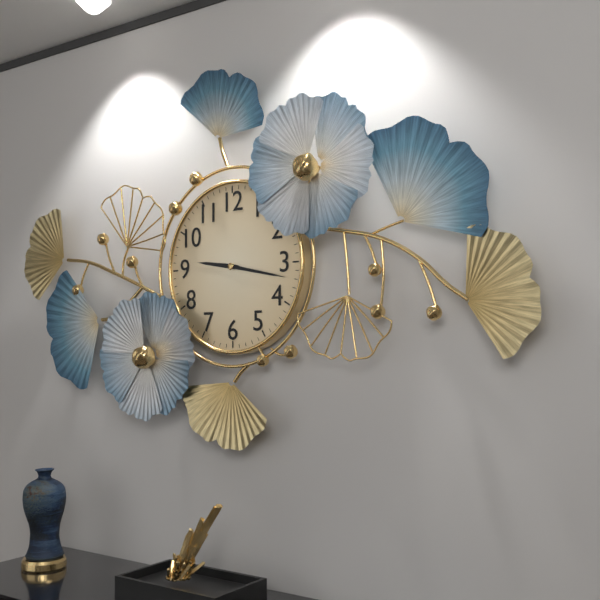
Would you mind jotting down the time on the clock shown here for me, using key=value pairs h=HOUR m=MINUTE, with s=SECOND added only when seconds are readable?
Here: h=9 m=17
